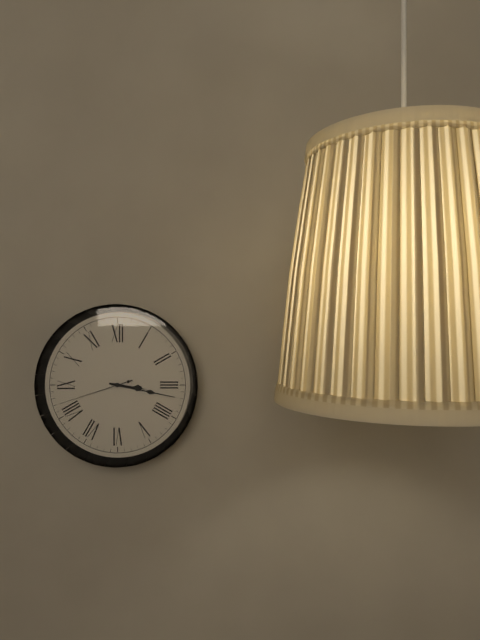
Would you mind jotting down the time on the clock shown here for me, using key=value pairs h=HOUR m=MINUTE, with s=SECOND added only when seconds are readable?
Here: h=3 m=17 s=42
